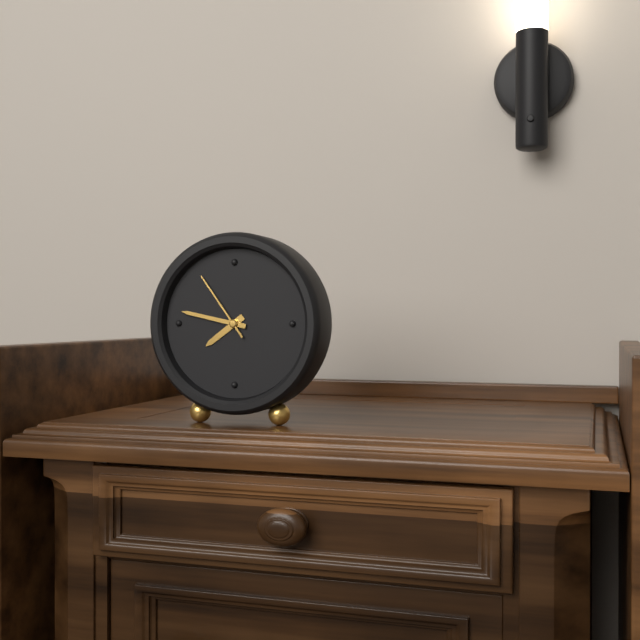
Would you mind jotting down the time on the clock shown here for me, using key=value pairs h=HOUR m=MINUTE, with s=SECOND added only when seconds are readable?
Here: h=7 m=47 s=54
